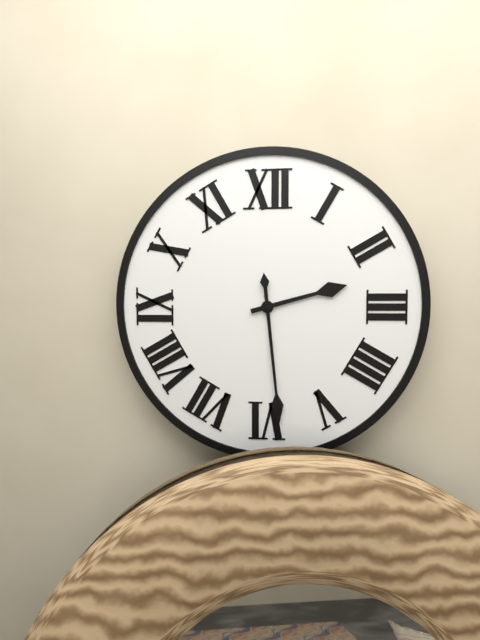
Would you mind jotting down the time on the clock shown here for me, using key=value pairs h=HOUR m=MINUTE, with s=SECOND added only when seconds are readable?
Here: h=2 m=29
